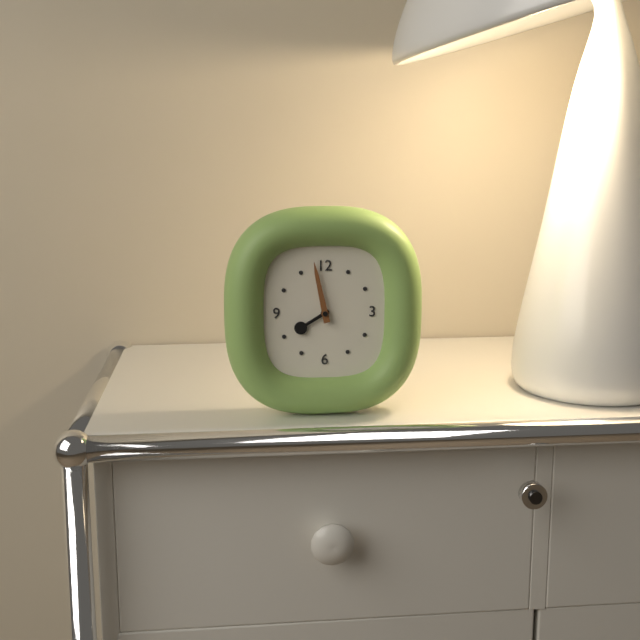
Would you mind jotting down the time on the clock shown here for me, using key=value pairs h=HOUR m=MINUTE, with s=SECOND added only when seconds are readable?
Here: h=7 m=58
